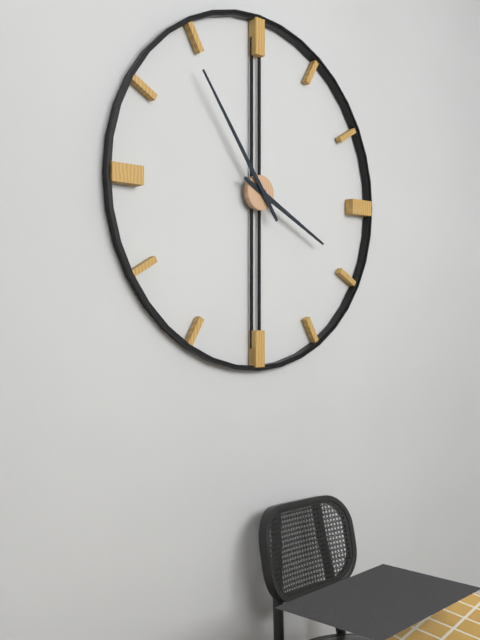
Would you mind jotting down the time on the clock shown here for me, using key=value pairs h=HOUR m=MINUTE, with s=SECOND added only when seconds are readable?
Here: h=3 m=54
